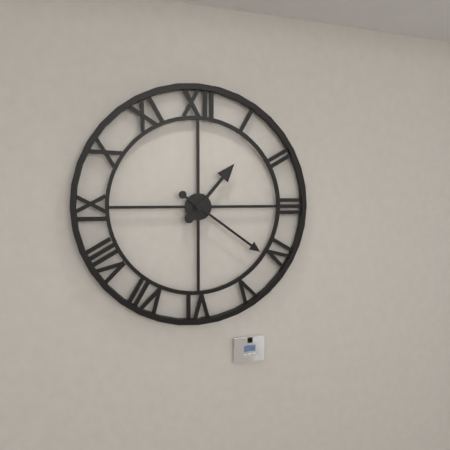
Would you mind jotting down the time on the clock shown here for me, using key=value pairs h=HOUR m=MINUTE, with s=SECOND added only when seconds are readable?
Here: h=1 m=21
